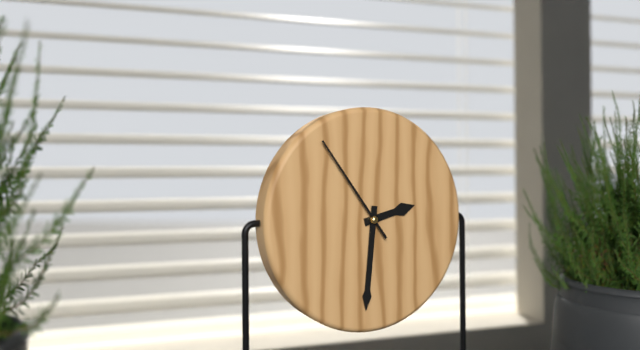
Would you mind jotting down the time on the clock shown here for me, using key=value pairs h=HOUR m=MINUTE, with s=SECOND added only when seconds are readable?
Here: h=2 m=31 s=54
